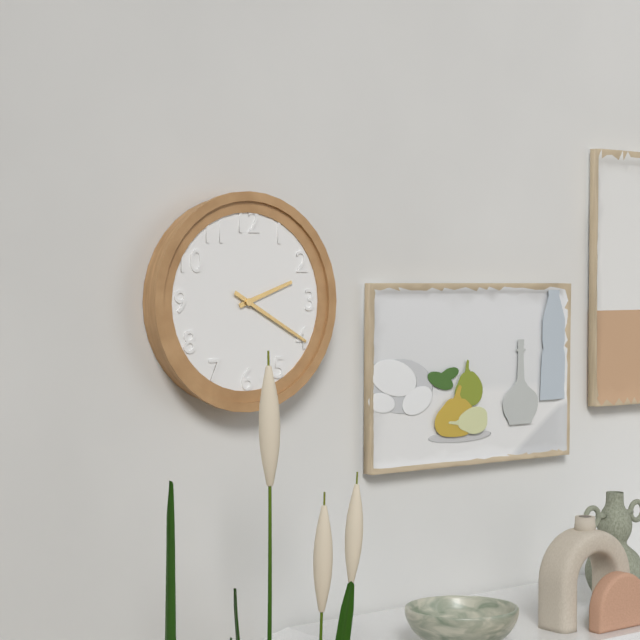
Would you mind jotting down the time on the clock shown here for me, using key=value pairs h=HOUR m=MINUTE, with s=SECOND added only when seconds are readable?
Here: h=2 m=20
